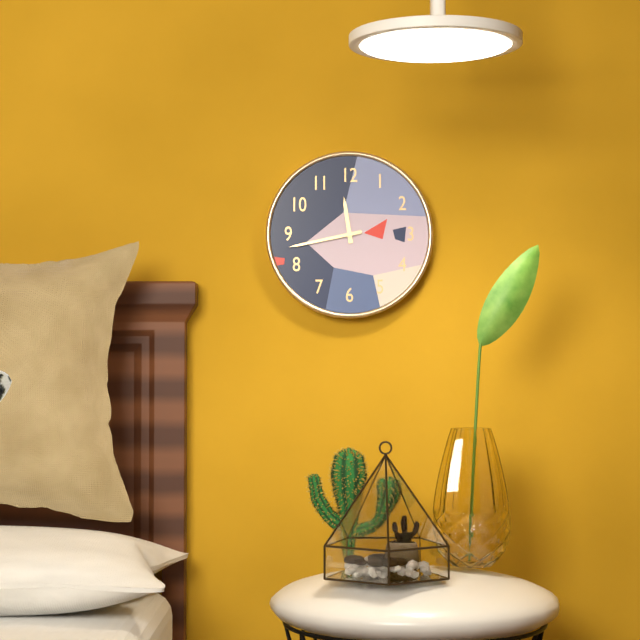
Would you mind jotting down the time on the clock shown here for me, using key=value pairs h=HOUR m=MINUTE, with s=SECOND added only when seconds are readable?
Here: h=11 m=43
